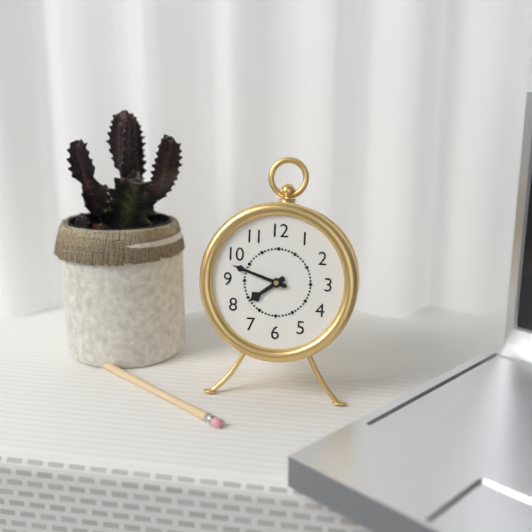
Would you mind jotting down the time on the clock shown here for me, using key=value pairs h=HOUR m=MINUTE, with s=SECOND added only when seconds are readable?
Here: h=7 m=48
